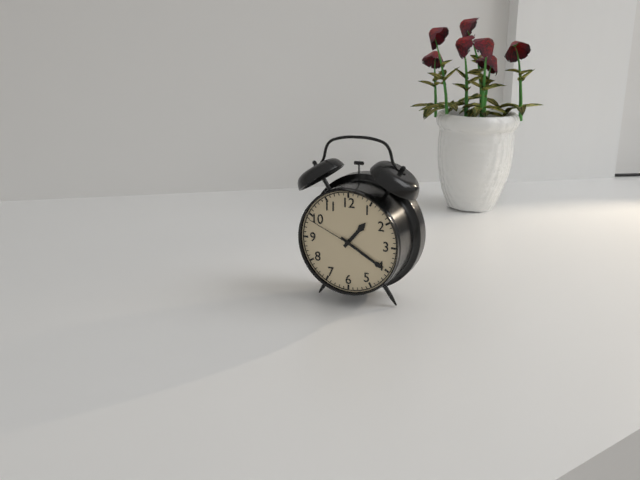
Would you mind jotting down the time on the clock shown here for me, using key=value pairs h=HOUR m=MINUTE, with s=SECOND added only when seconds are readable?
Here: h=1 m=20 s=49
